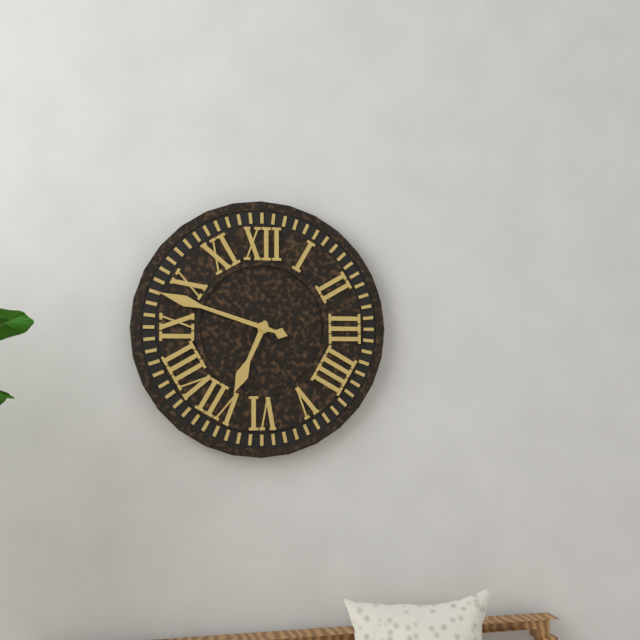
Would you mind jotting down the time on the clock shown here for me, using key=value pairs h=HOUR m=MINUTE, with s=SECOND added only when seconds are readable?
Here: h=6 m=48
